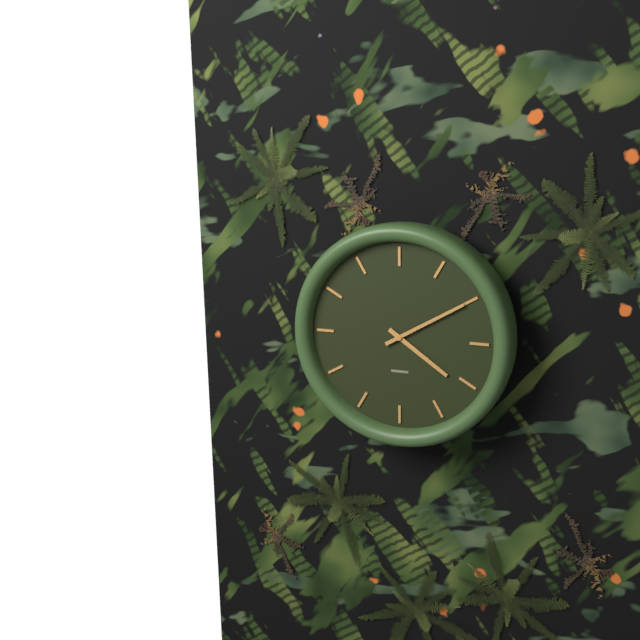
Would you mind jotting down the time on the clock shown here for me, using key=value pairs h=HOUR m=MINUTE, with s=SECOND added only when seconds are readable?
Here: h=4 m=10
